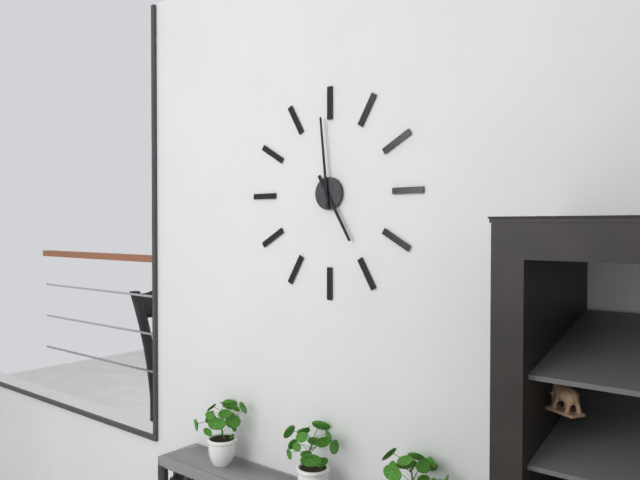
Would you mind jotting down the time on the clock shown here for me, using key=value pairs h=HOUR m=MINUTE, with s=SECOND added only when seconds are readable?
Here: h=4 m=59
